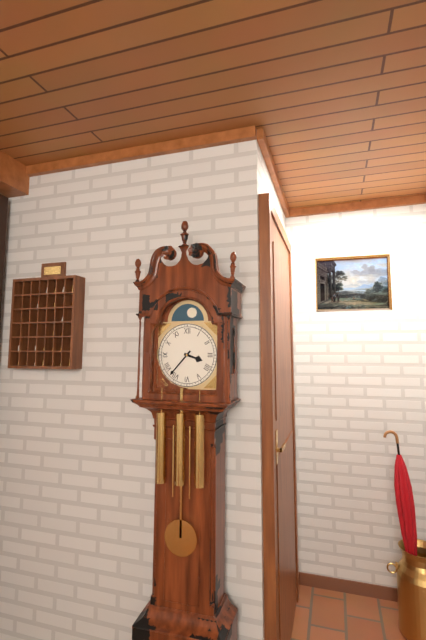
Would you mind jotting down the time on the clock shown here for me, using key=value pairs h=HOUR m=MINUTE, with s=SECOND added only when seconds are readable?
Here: h=3 m=37
